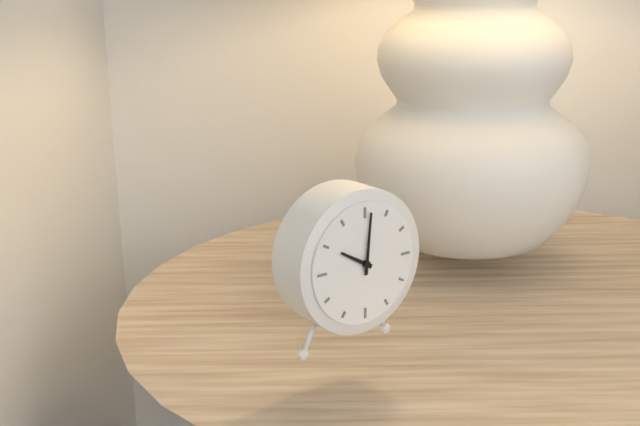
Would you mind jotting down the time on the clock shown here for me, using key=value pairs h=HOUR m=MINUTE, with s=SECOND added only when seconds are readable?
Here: h=10 m=1
